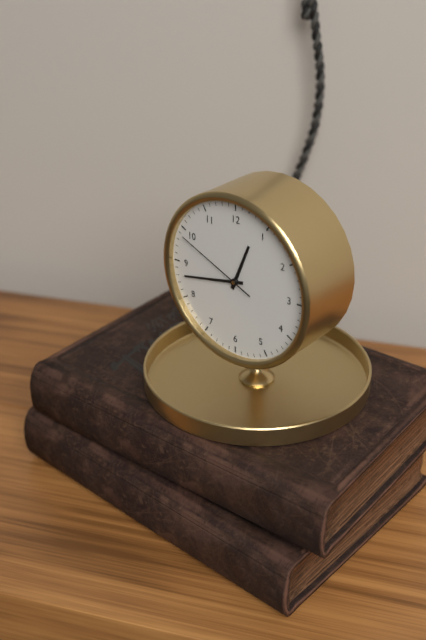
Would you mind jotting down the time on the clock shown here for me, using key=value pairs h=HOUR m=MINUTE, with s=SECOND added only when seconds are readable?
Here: h=12 m=43 s=49
